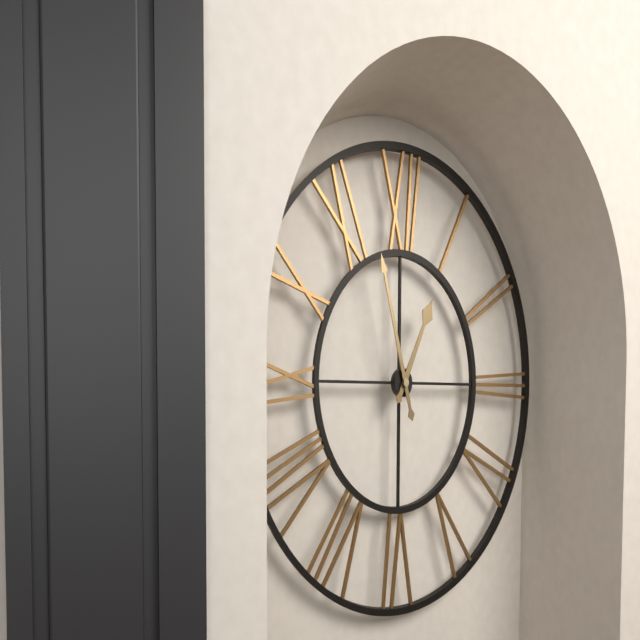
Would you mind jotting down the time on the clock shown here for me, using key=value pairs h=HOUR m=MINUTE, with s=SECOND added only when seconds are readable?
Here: h=12 m=57
